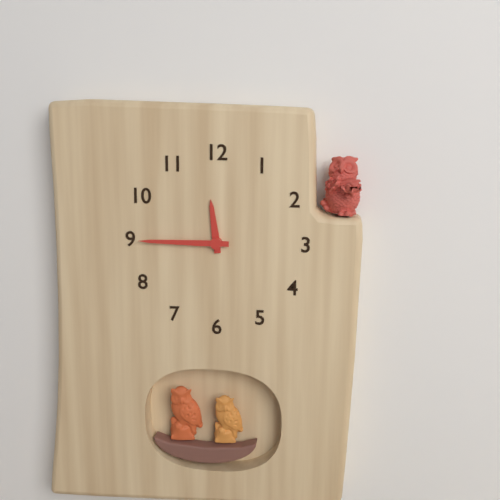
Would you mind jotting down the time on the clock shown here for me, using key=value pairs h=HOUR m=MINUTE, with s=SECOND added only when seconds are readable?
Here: h=11 m=45
